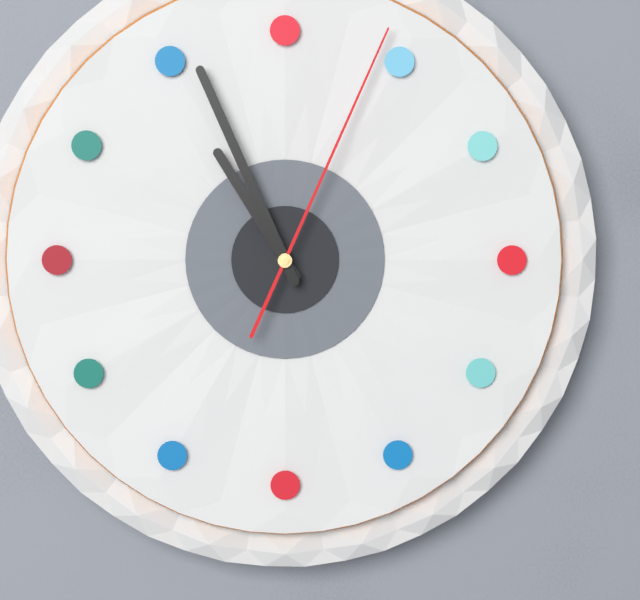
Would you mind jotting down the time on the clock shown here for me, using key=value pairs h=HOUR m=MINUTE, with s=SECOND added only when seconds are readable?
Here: h=10 m=56 s=4
